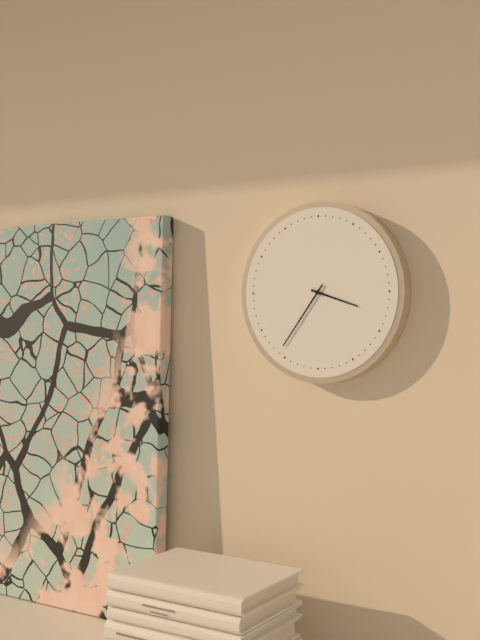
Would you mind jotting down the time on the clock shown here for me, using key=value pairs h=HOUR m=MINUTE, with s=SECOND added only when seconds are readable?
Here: h=3 m=36
